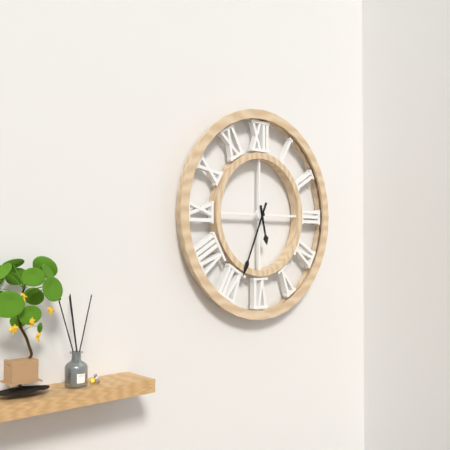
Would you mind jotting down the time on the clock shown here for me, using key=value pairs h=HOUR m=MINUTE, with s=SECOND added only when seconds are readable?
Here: h=5 m=34
